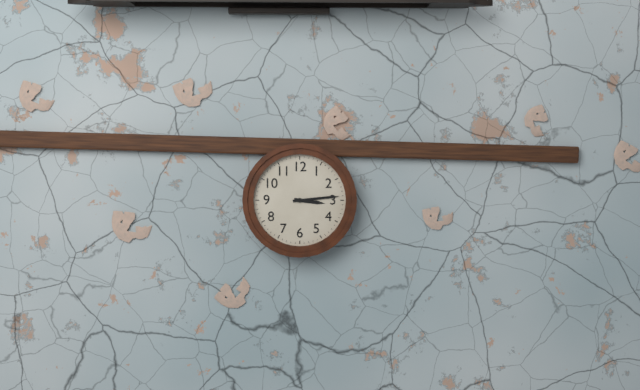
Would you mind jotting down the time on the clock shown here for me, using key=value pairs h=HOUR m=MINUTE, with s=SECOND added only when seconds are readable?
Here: h=3 m=14
